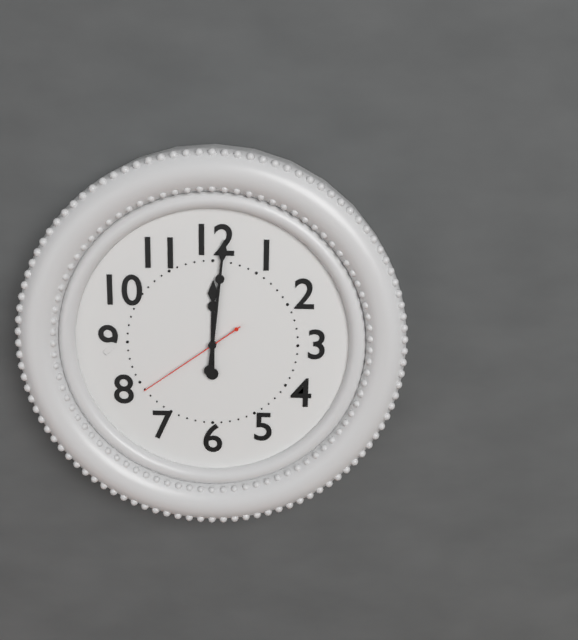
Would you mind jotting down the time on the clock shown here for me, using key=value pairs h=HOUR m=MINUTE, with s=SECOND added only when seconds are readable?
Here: h=12 m=1 s=39
